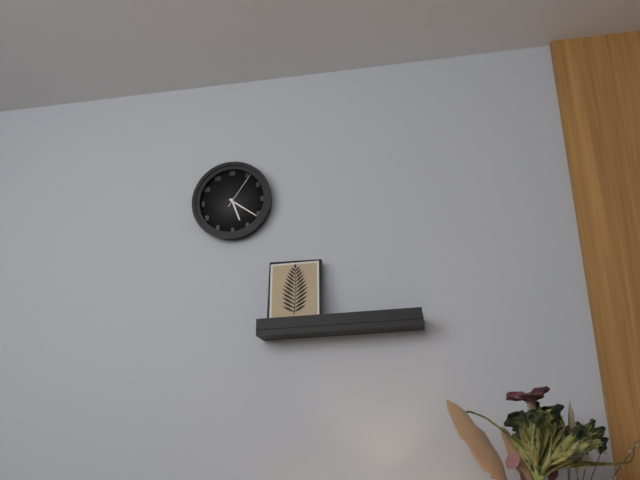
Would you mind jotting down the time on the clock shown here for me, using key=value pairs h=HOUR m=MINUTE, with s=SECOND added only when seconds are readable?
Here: h=5 m=21
